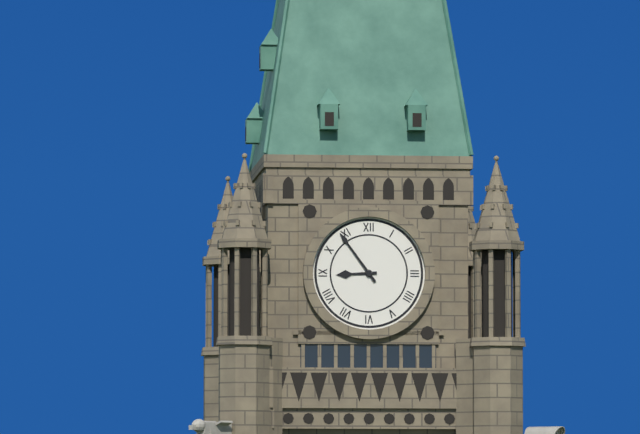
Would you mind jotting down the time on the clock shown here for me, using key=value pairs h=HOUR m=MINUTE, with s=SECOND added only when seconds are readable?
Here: h=8 m=54
